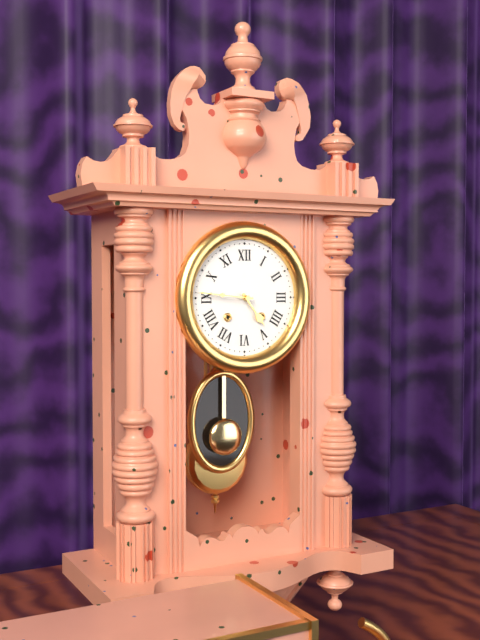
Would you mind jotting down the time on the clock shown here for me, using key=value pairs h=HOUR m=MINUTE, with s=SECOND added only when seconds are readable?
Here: h=4 m=46
